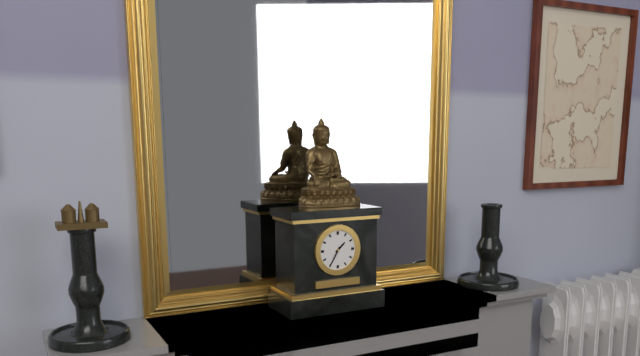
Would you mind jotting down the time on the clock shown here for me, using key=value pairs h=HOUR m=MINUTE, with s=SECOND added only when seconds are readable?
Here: h=1 m=35
